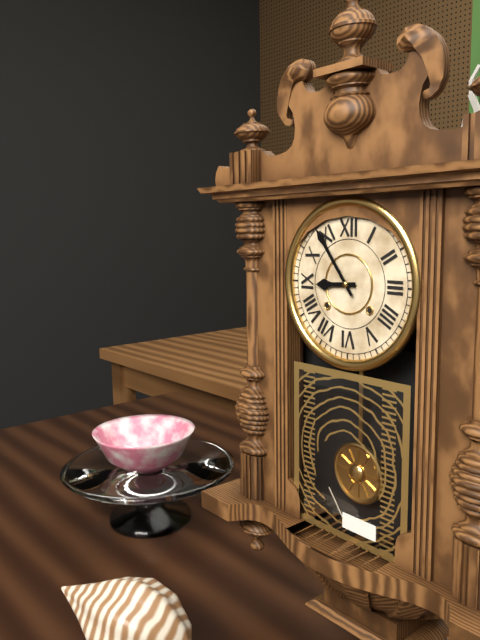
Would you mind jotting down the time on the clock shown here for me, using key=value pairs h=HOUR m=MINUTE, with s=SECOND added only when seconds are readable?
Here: h=8 m=54
